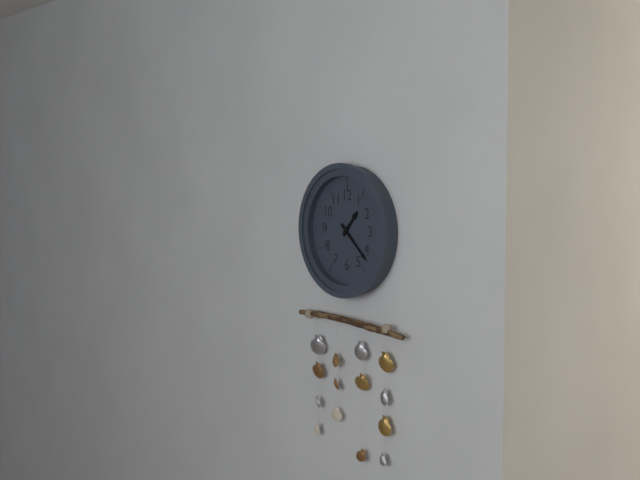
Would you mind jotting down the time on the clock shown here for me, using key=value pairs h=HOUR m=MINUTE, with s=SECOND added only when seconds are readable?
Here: h=1 m=22
